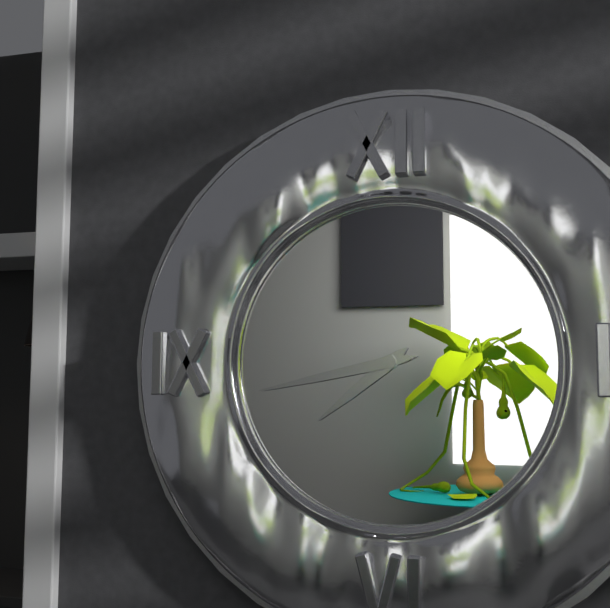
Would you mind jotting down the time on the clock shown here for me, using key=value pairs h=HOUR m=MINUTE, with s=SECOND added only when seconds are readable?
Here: h=7 m=43
